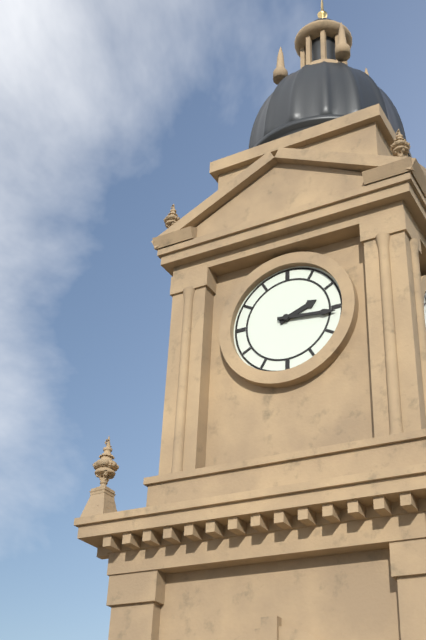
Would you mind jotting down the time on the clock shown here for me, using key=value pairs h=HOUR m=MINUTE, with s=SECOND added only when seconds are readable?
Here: h=2 m=16
